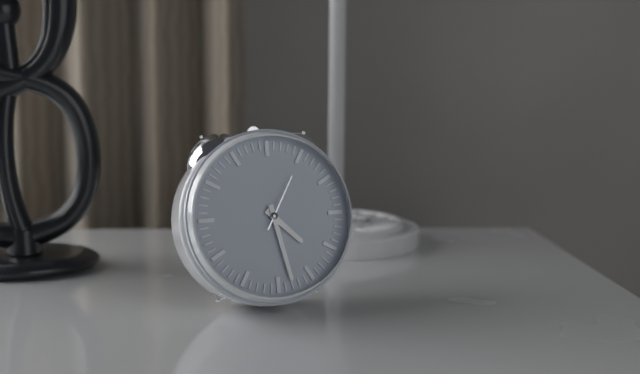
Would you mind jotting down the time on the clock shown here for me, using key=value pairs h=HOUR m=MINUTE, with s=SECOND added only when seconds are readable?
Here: h=4 m=28 s=5
